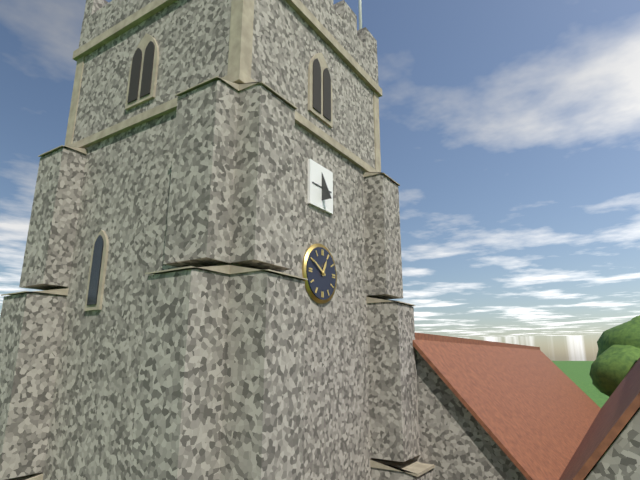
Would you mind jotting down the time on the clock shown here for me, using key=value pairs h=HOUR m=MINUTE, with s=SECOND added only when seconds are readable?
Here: h=12 m=50
